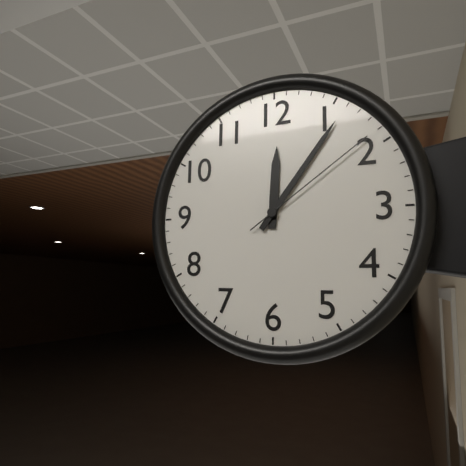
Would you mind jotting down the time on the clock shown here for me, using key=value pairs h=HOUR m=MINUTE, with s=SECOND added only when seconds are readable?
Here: h=12 m=6 s=9
